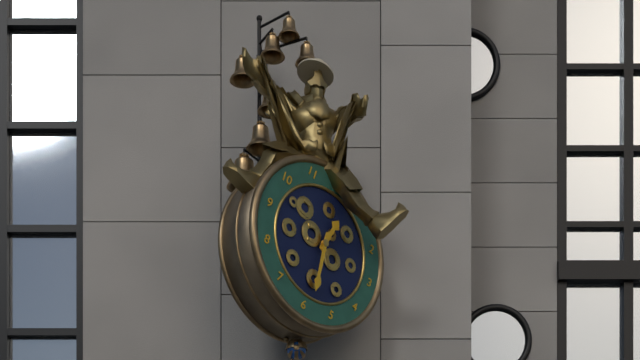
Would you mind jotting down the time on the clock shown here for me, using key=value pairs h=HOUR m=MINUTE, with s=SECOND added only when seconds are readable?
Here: h=12 m=29
